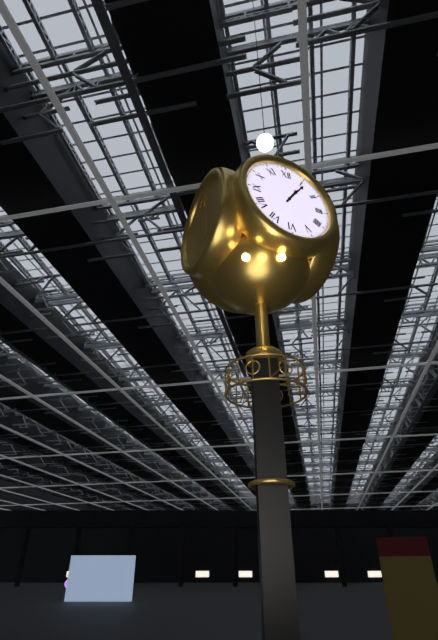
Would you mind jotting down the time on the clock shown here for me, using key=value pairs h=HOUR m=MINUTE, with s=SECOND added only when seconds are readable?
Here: h=1 m=6
